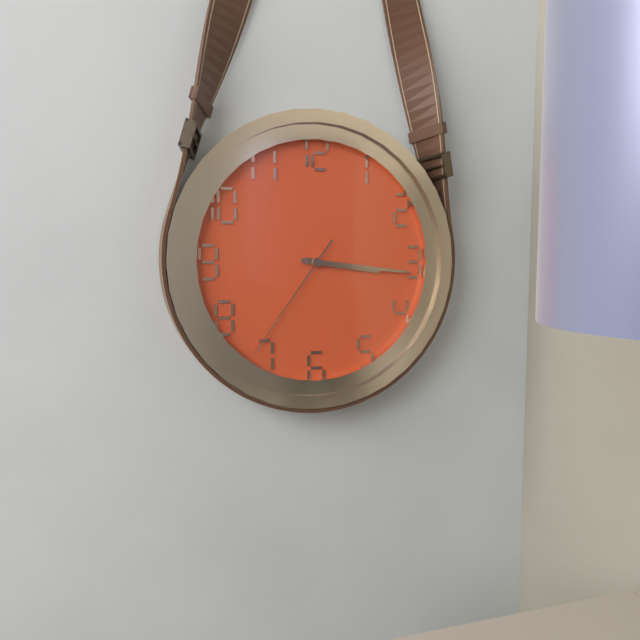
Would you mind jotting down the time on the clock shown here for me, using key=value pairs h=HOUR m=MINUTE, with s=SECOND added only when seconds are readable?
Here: h=3 m=16 s=36
